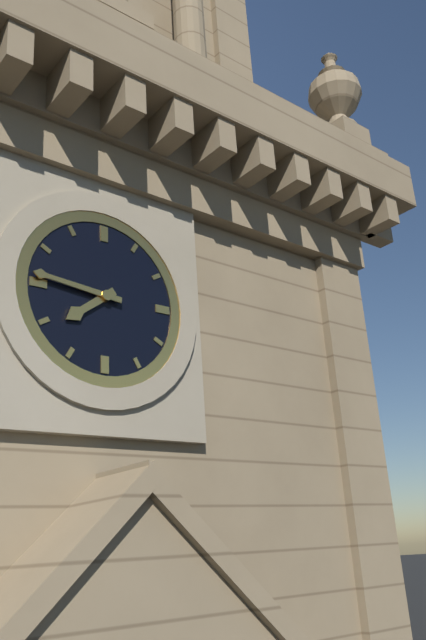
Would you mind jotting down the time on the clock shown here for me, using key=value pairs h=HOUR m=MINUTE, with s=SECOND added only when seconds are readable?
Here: h=7 m=46
